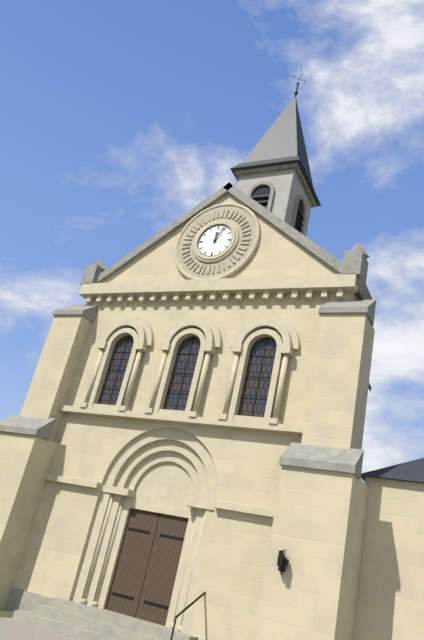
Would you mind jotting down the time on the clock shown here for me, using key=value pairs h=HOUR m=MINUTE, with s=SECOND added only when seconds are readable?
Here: h=12 m=4
